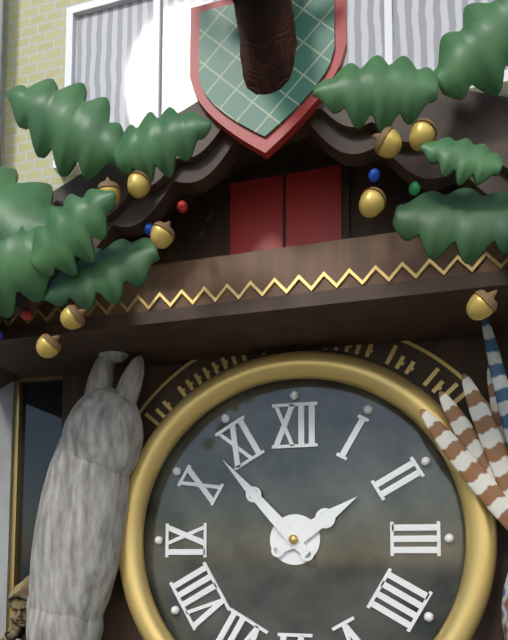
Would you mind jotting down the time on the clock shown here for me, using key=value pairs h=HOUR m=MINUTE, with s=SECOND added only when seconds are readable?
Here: h=1 m=53
